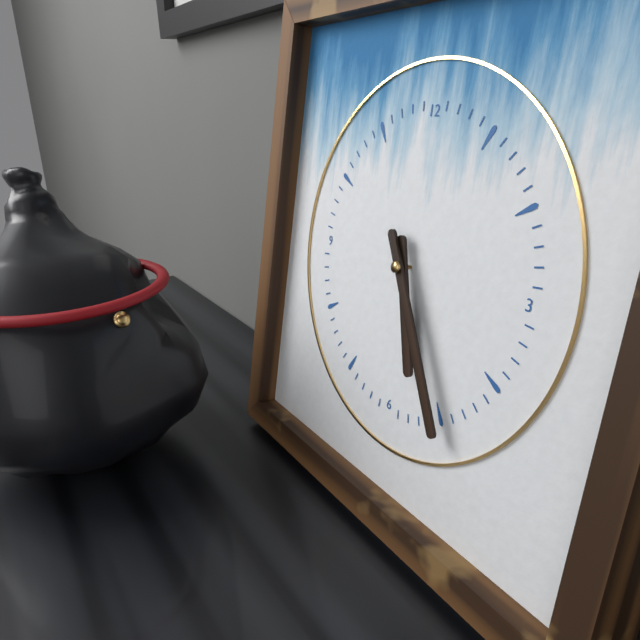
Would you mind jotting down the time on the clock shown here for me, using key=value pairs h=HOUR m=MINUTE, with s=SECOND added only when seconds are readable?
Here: h=5 m=25
